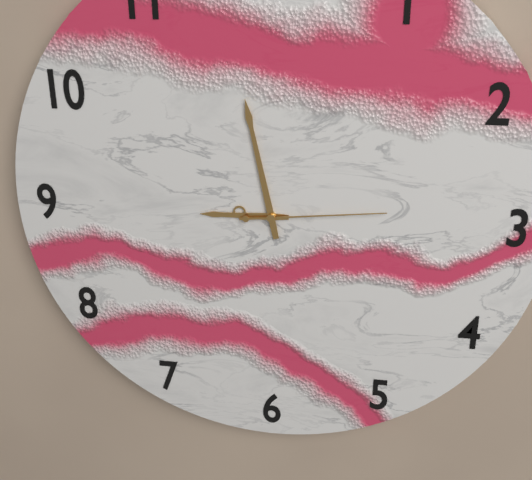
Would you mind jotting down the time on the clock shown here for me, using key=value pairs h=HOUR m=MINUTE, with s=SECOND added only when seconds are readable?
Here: h=8 m=58 s=14
